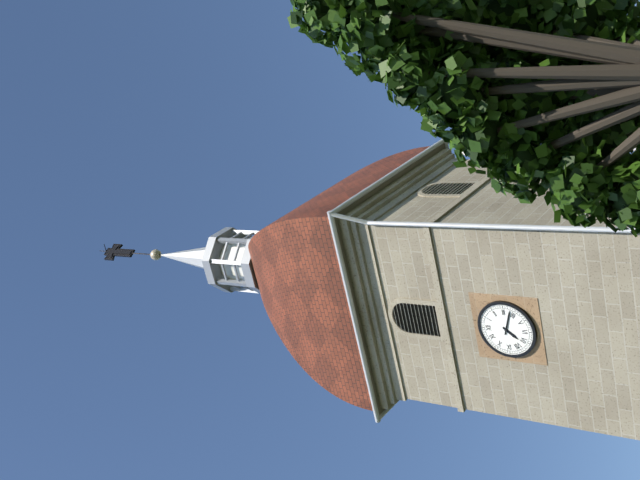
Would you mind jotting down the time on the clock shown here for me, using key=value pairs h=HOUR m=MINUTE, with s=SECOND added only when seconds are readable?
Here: h=7 m=18
